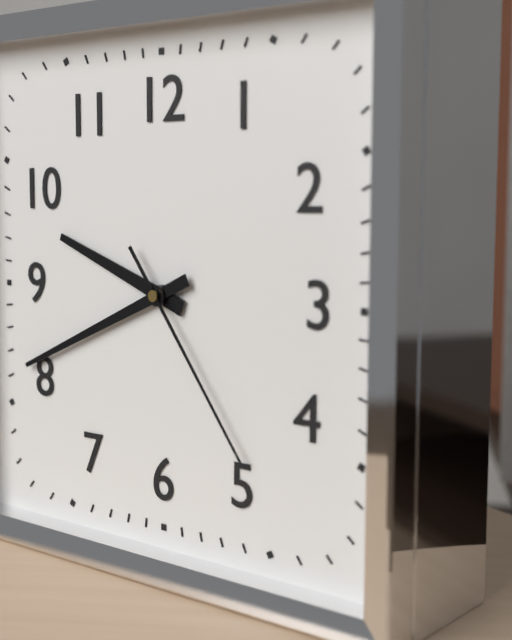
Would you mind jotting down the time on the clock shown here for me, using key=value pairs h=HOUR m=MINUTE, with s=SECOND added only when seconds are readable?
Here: h=9 m=41 s=24
